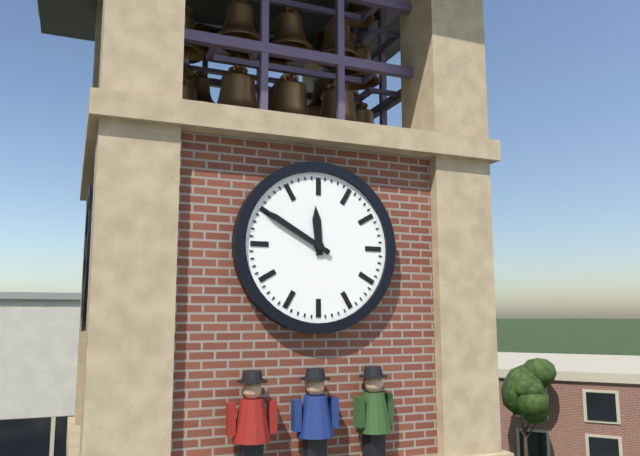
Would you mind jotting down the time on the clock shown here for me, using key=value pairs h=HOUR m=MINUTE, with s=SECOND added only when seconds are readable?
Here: h=11 m=50
